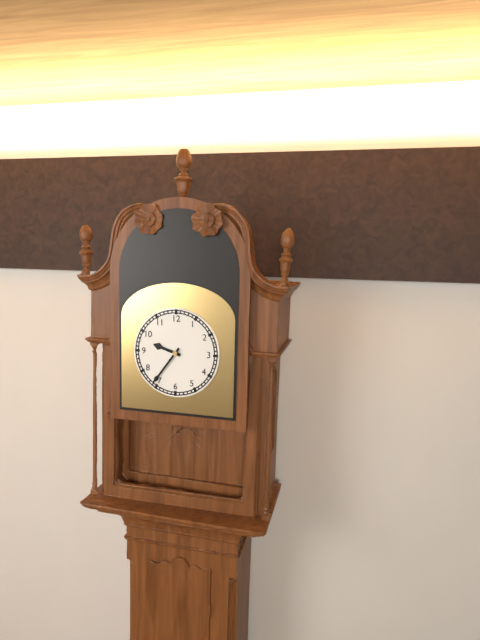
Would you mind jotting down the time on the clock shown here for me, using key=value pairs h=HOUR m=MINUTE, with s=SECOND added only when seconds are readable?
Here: h=9 m=36
